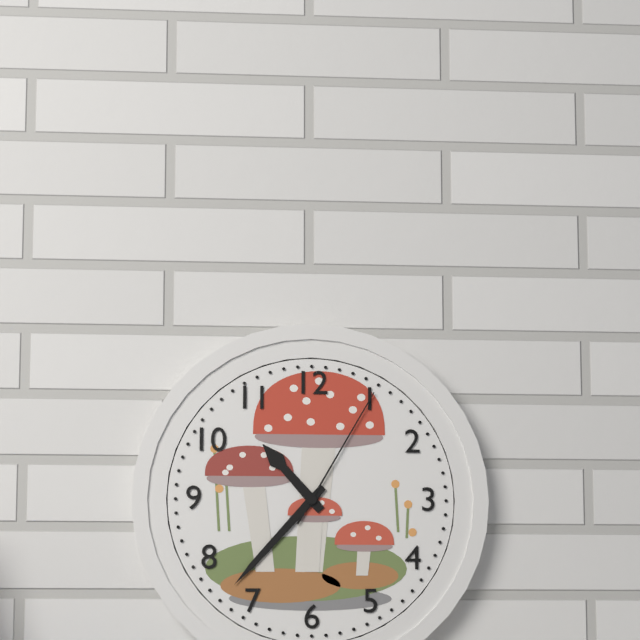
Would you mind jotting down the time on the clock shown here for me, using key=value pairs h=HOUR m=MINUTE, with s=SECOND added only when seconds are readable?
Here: h=10 m=37 s=5
